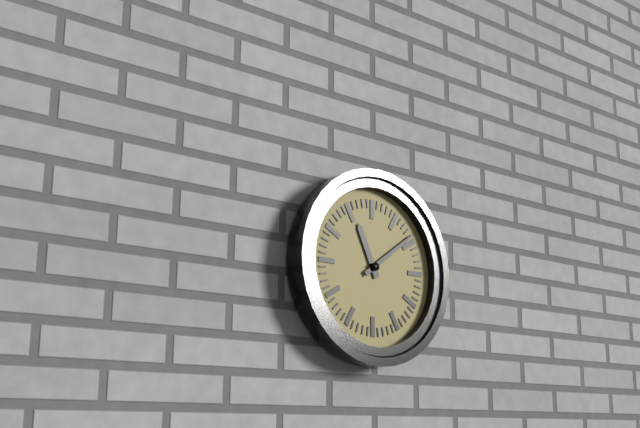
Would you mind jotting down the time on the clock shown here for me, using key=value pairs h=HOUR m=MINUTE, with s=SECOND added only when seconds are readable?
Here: h=11 m=9
